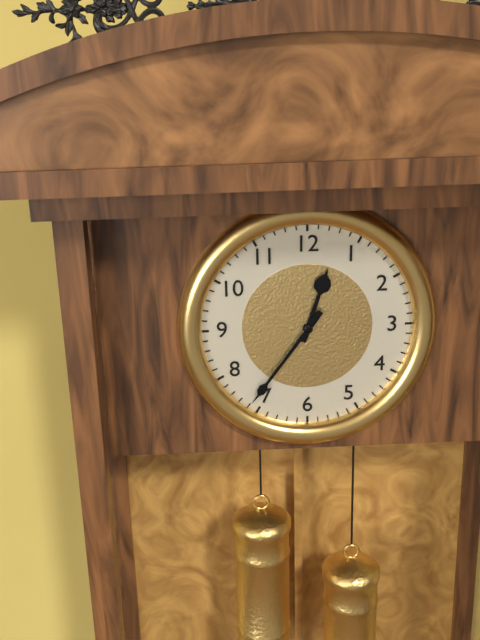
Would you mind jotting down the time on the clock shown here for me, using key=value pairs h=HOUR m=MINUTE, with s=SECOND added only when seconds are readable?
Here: h=12 m=36
